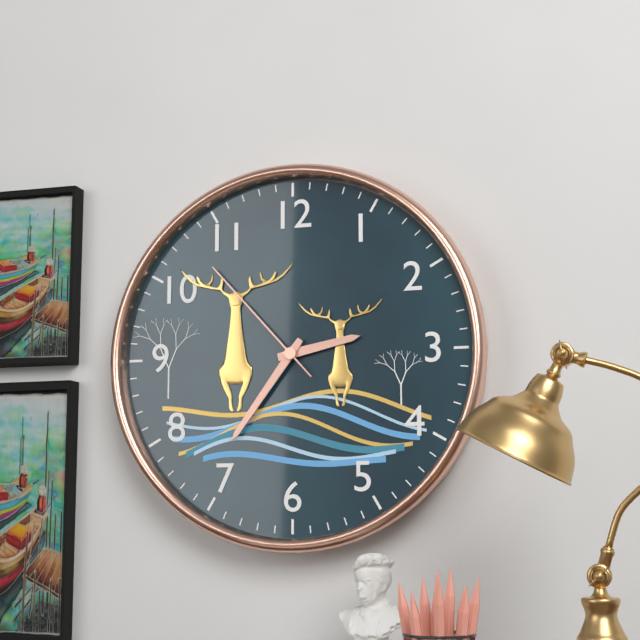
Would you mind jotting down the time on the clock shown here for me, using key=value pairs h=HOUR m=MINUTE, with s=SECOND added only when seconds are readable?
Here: h=2 m=36 s=53
